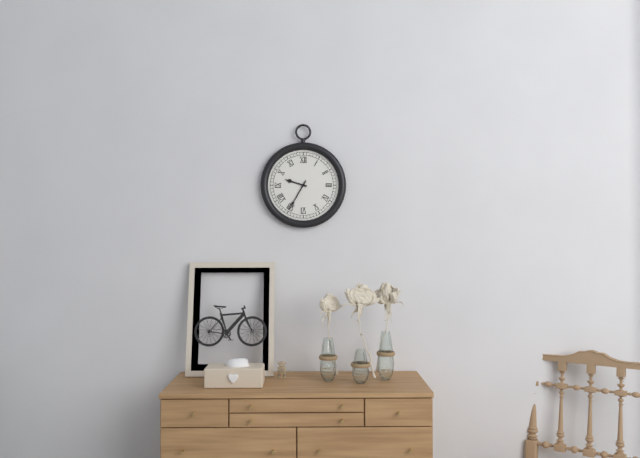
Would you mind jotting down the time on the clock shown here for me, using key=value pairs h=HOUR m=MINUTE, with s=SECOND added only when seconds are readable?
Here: h=9 m=35
